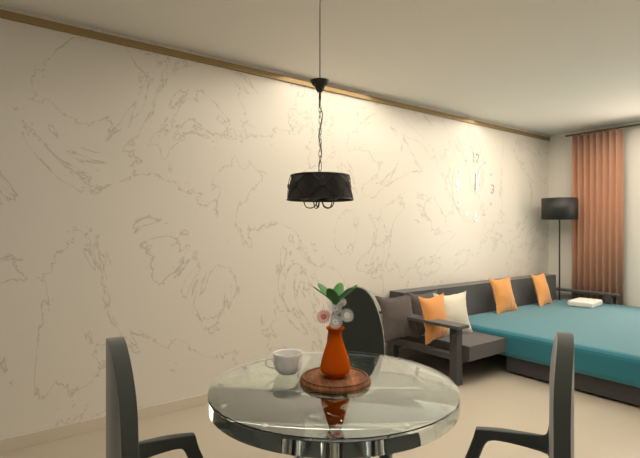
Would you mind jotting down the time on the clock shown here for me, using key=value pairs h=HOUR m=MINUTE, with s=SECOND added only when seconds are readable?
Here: h=12 m=3
